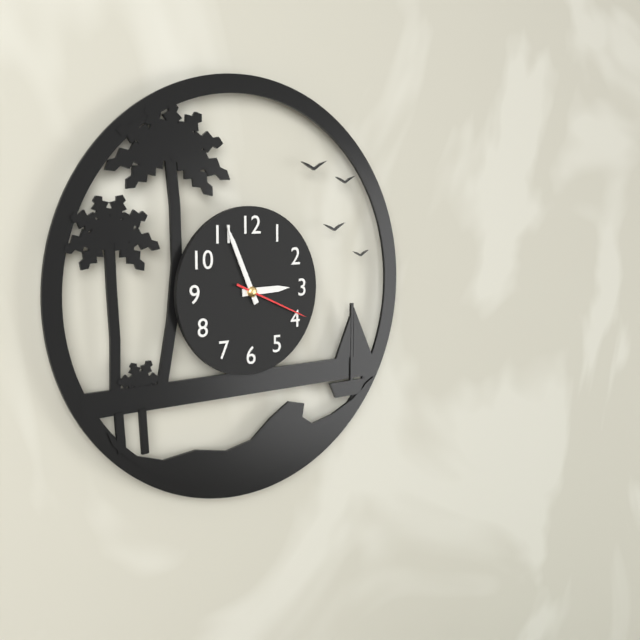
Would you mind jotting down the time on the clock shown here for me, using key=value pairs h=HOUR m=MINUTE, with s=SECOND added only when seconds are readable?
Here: h=2 m=56 s=19
